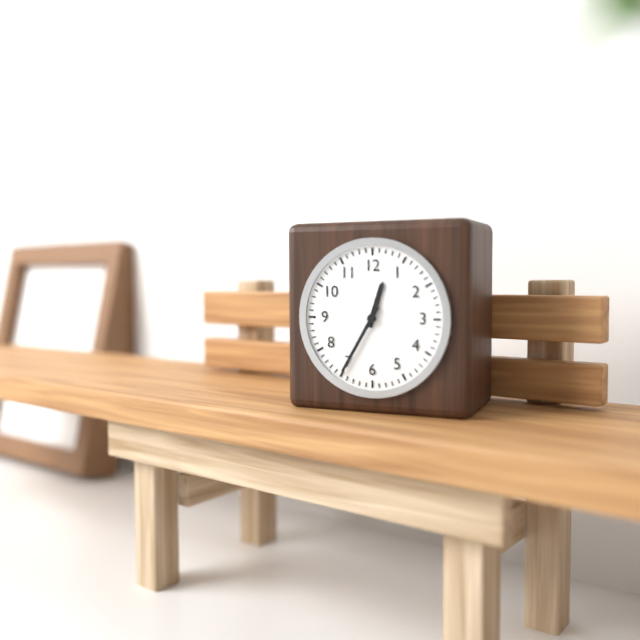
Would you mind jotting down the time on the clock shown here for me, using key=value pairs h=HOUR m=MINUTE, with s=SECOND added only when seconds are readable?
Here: h=12 m=35
